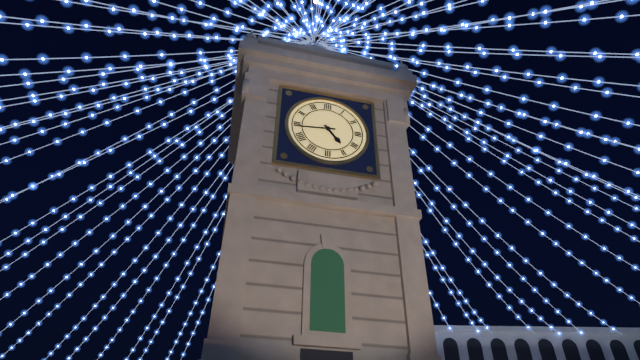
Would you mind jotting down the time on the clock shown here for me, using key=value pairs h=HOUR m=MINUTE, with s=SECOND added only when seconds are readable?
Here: h=4 m=44
